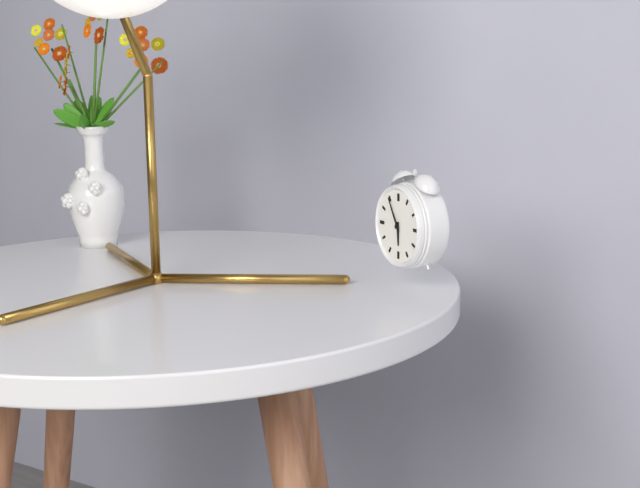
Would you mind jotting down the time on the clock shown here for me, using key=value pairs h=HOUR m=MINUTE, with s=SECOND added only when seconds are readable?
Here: h=5 m=55
